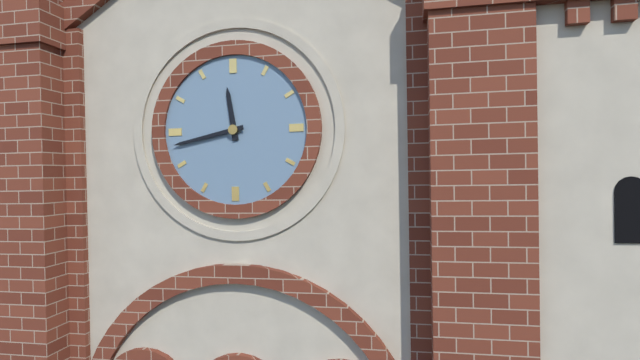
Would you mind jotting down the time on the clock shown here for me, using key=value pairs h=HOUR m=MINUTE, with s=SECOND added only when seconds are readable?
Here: h=11 m=43
